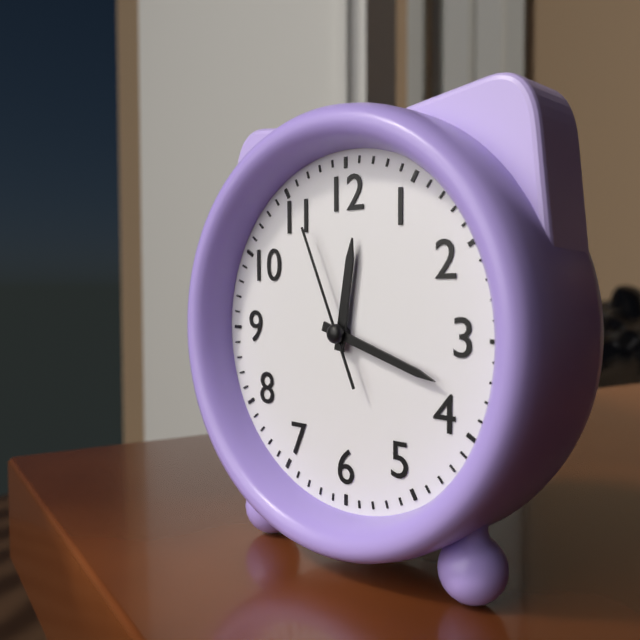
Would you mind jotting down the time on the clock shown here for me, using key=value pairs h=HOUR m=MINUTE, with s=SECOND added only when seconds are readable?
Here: h=12 m=18 s=56
